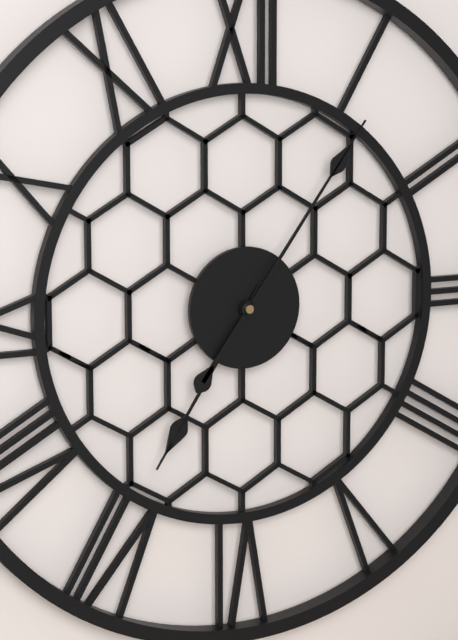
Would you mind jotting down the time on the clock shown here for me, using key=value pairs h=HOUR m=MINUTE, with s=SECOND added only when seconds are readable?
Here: h=7 m=6
